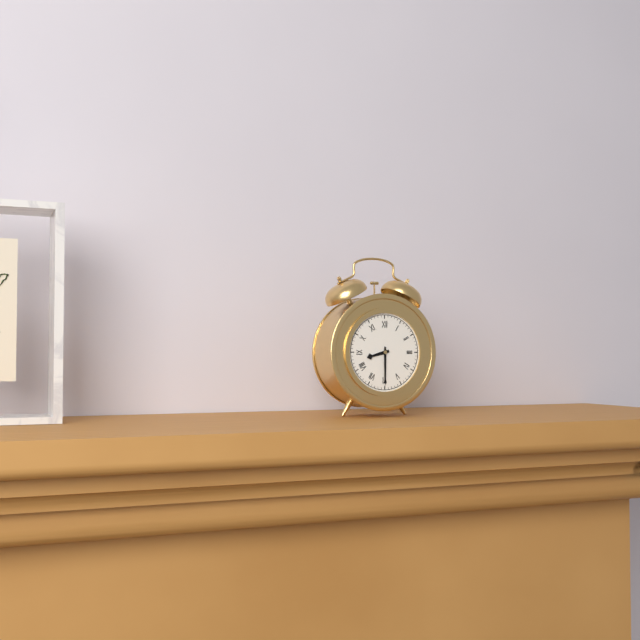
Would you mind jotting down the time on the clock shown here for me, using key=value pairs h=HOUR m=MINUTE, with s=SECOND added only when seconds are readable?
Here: h=8 m=30
